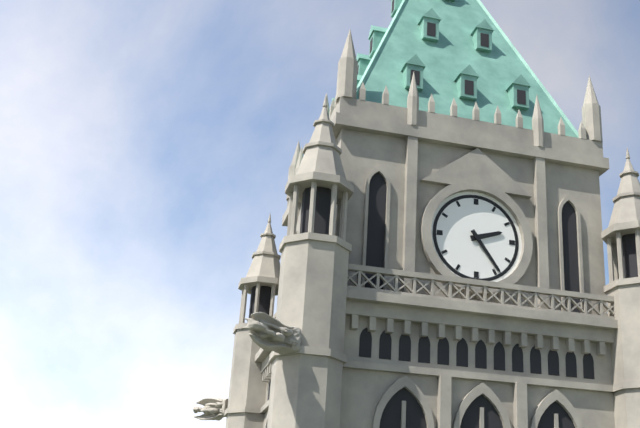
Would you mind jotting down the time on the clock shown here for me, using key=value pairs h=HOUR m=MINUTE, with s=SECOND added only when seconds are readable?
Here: h=2 m=24
